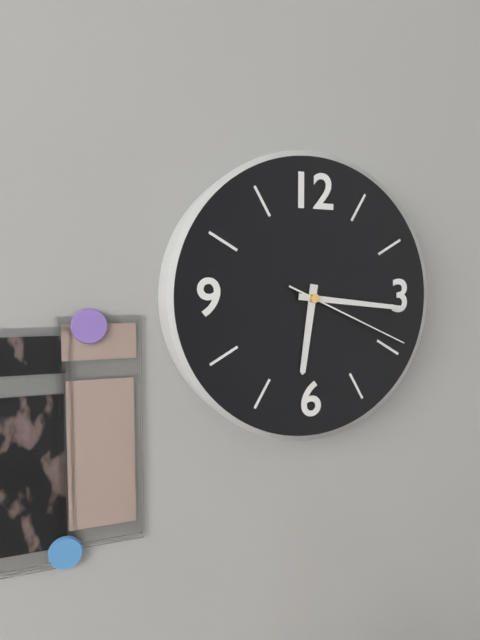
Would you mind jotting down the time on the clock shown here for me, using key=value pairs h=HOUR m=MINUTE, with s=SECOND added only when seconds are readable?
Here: h=6 m=16 s=19
